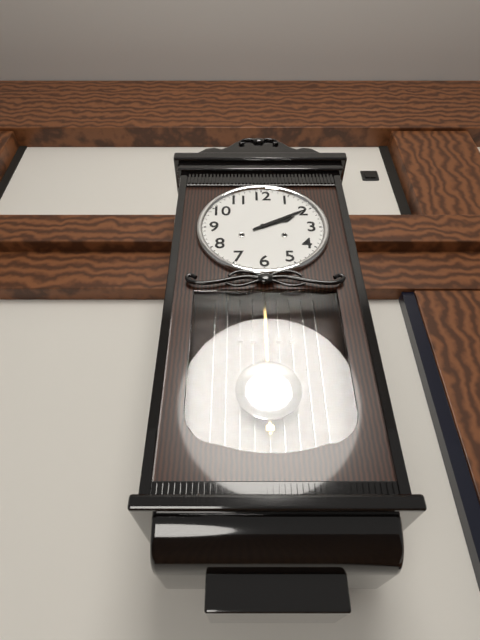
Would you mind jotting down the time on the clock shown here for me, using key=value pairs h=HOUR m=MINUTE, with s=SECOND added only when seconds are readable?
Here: h=2 m=10
